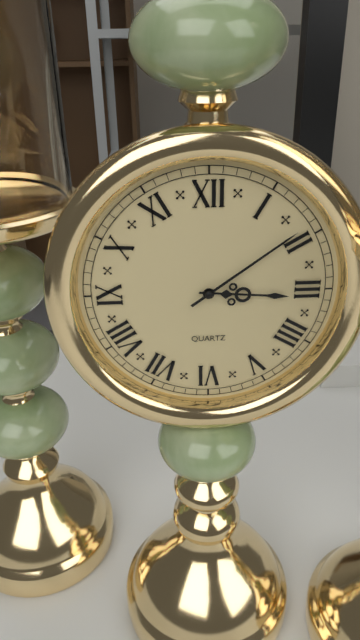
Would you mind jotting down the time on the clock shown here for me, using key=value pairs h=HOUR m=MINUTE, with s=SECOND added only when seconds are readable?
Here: h=3 m=9
